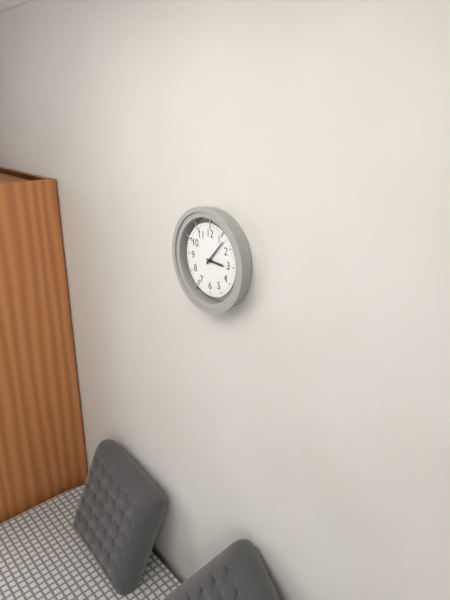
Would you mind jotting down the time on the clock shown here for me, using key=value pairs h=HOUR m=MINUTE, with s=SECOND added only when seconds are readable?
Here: h=3 m=7
